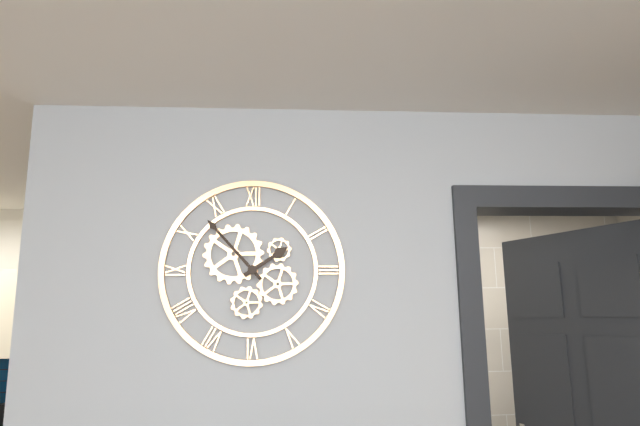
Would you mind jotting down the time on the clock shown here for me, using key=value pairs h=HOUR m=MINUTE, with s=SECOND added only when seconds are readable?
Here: h=1 m=53
